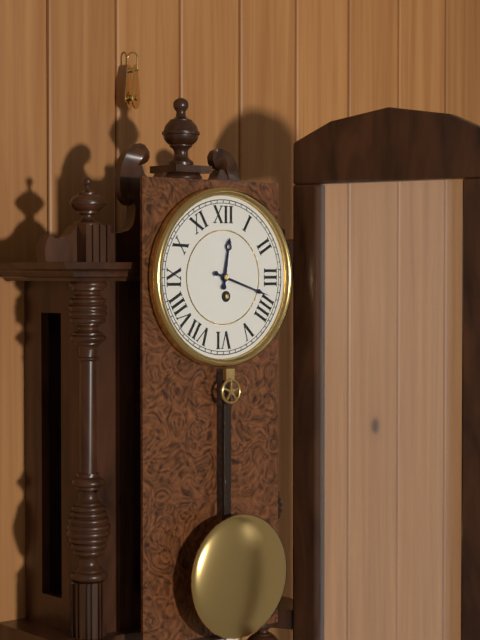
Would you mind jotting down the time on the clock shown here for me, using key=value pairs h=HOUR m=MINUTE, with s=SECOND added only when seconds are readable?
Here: h=12 m=18
